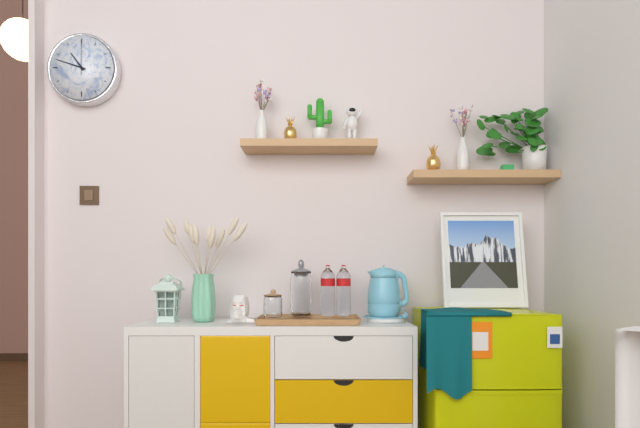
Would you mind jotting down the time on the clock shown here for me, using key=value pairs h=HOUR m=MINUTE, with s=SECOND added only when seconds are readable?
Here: h=10 m=48
